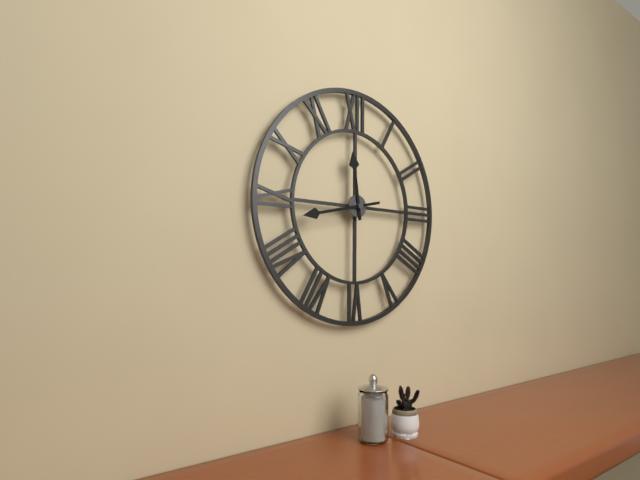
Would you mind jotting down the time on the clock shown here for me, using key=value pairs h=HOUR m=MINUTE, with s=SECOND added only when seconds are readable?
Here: h=11 m=43
